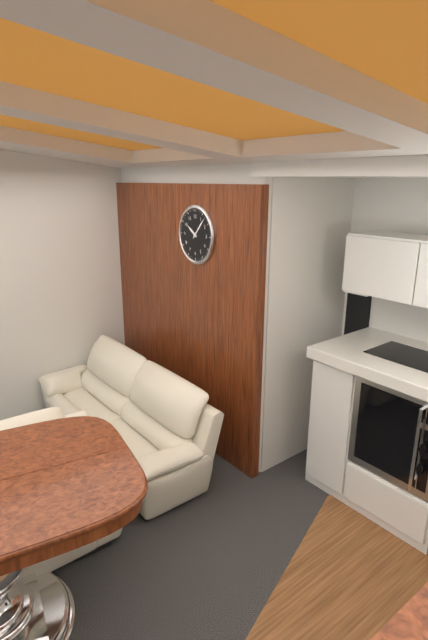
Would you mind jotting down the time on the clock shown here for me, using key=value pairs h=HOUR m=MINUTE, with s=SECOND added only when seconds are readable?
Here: h=10 m=7
